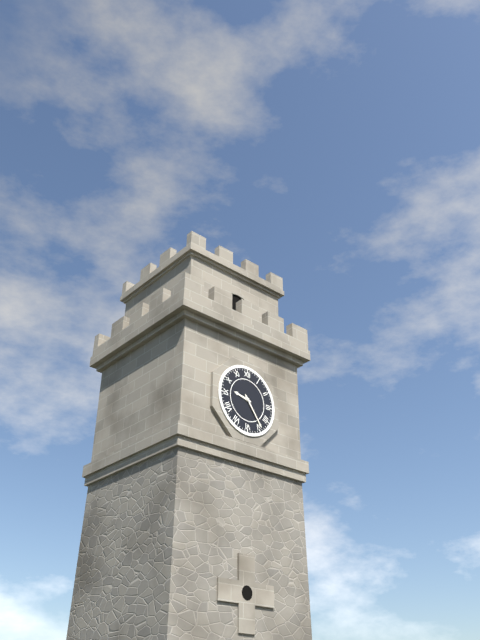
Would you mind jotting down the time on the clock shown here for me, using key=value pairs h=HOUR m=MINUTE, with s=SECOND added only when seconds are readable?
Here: h=9 m=24
